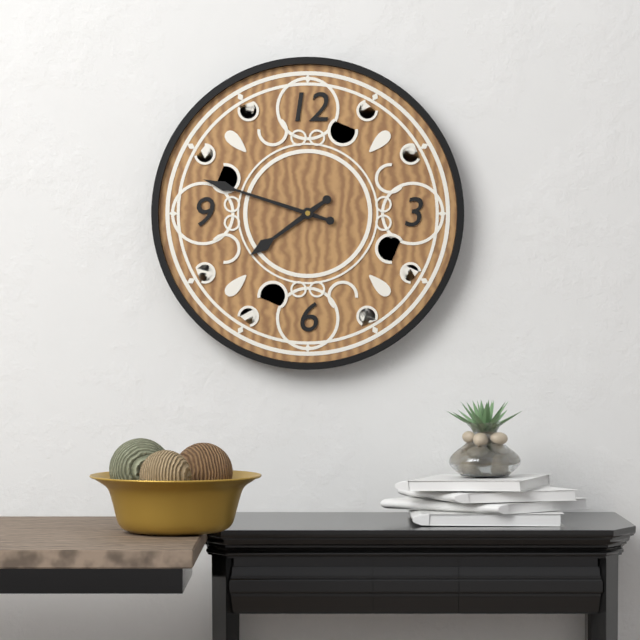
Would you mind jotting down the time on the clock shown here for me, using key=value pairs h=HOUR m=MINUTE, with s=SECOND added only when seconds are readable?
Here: h=7 m=48
